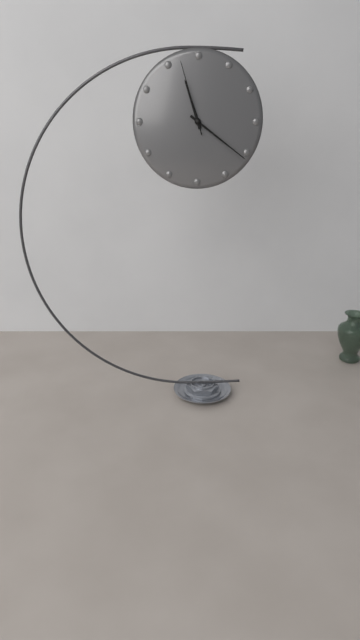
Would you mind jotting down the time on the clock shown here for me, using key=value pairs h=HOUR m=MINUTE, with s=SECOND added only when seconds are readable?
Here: h=11 m=21 s=57
